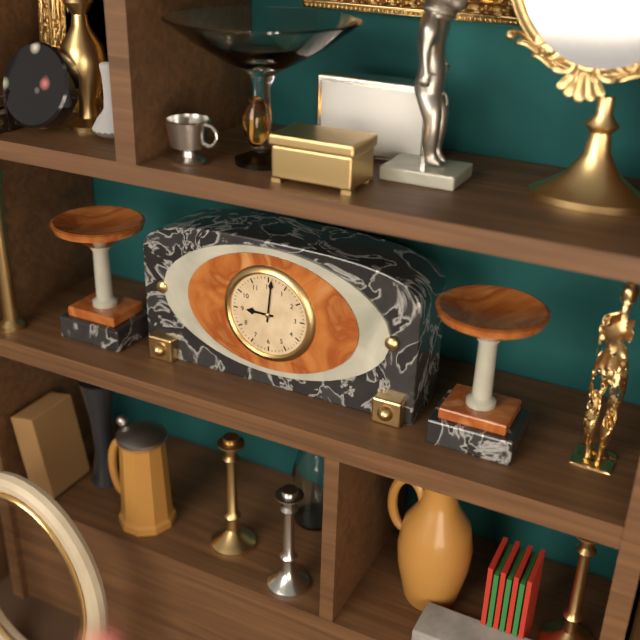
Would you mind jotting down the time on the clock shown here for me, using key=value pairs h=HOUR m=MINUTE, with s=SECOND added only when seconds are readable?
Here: h=9 m=1
